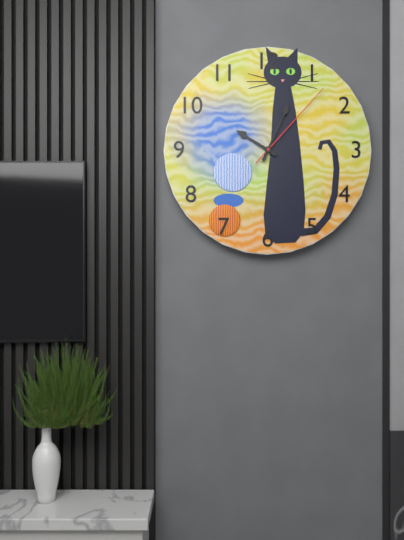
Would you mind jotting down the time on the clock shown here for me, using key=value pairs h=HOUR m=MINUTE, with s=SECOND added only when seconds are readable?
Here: h=10 m=4 s=7
